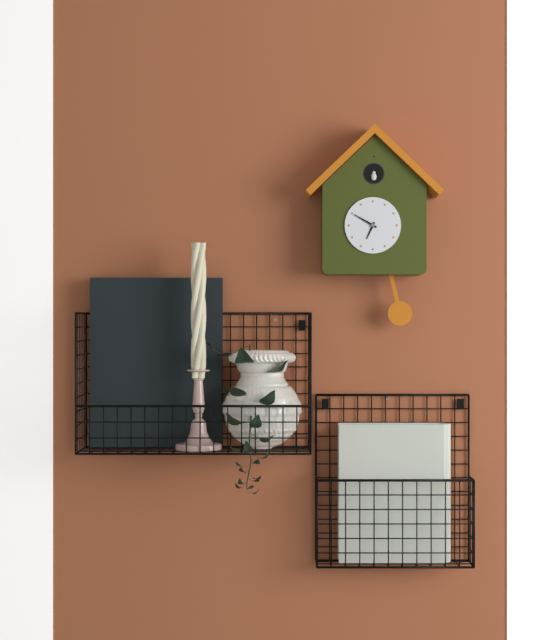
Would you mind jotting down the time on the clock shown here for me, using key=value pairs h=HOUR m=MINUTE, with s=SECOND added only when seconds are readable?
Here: h=6 m=50
